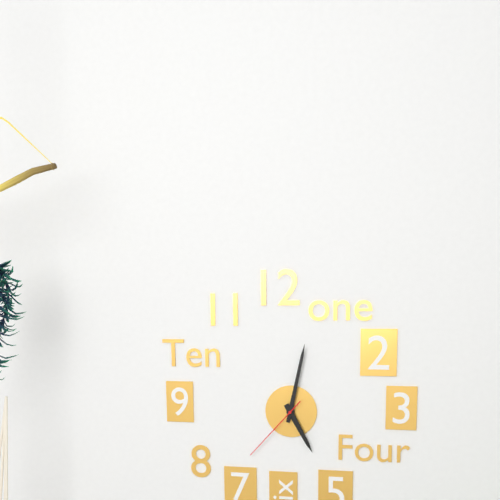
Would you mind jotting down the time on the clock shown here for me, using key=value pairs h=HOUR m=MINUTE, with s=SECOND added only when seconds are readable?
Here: h=5 m=2 s=37
